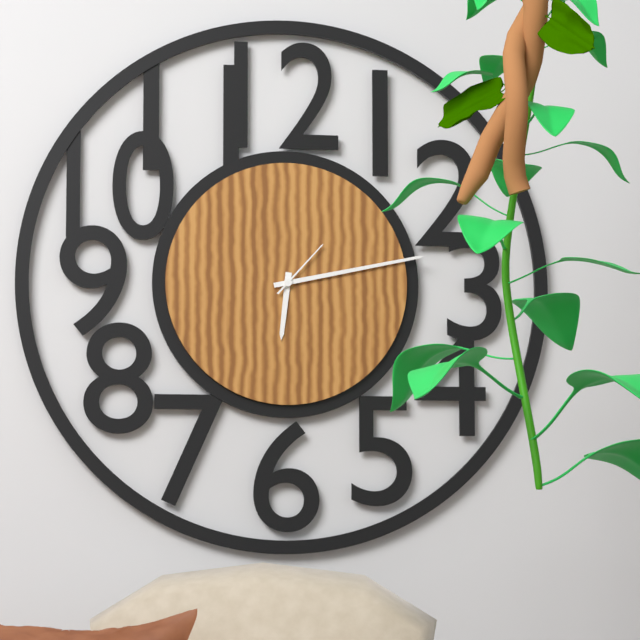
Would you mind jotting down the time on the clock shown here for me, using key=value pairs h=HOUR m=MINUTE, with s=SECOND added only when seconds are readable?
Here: h=6 m=13 s=7
